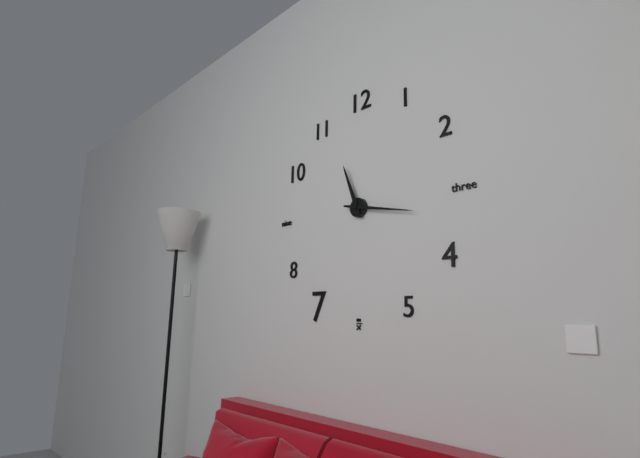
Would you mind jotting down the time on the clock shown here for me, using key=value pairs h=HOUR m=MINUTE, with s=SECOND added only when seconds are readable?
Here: h=11 m=17
